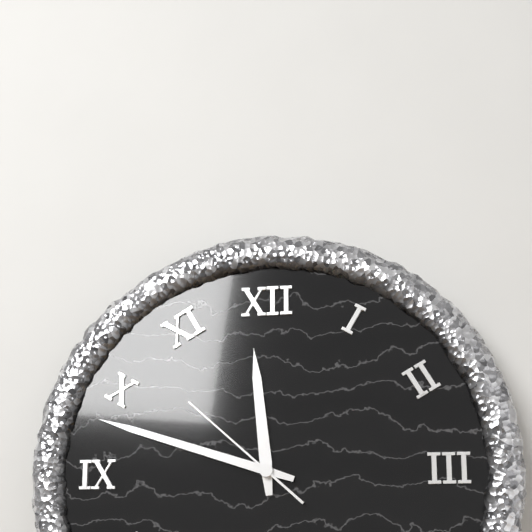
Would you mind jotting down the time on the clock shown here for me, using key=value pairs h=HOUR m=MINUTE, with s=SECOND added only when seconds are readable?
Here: h=11 m=48 s=52
